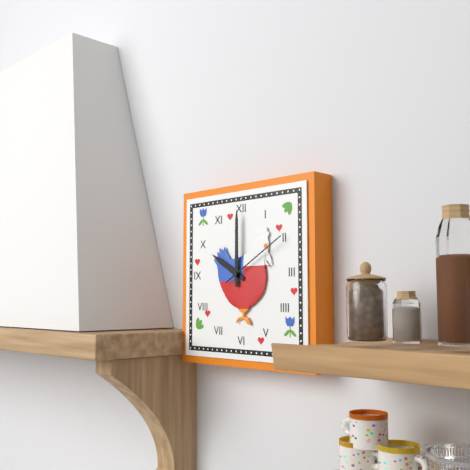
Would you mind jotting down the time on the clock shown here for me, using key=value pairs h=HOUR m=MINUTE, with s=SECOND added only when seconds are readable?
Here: h=10 m=0 s=10
